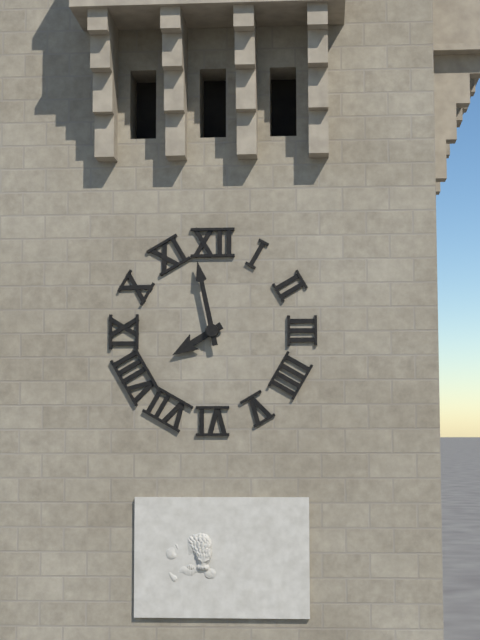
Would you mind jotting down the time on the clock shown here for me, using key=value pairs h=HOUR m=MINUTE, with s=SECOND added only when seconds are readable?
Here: h=7 m=58
